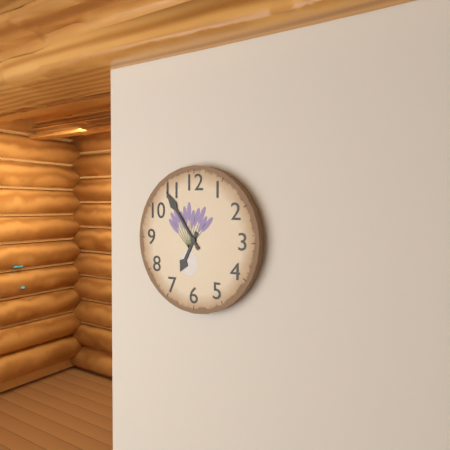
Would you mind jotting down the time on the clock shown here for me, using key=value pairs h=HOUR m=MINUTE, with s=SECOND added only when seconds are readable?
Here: h=6 m=54
